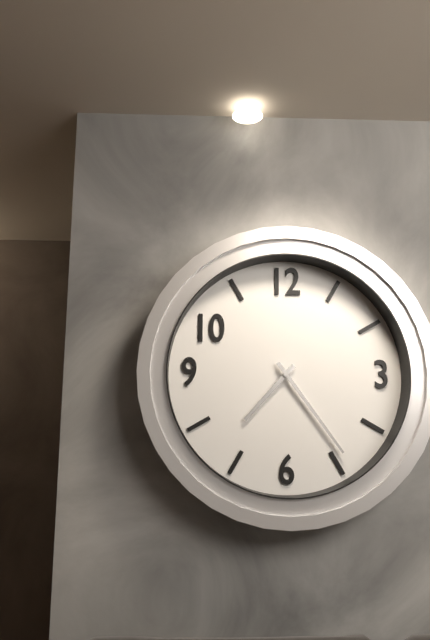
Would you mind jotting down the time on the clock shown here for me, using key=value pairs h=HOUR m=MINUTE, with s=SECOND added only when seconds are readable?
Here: h=7 m=24
